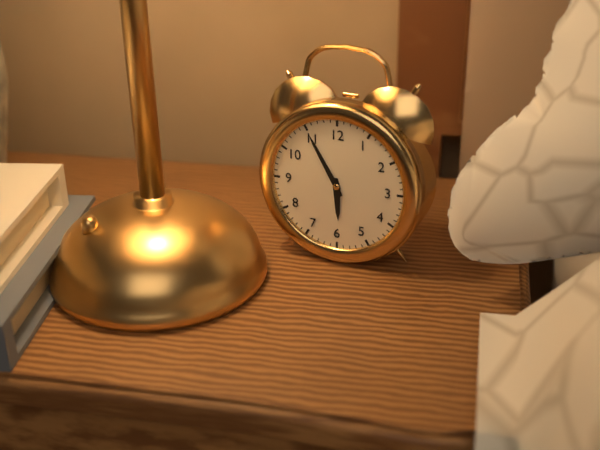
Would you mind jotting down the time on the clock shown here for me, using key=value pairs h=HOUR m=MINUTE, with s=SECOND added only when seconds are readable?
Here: h=5 m=55
